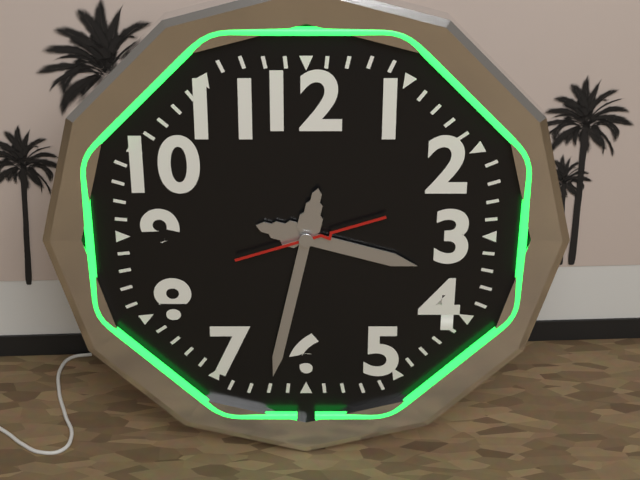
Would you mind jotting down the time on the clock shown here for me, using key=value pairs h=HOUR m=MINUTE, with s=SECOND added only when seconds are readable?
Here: h=3 m=32 s=12
